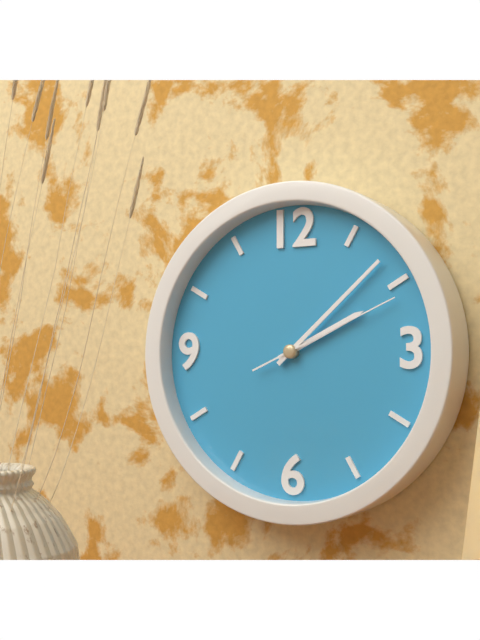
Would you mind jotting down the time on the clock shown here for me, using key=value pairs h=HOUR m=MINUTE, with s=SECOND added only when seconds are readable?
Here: h=2 m=8 s=11
